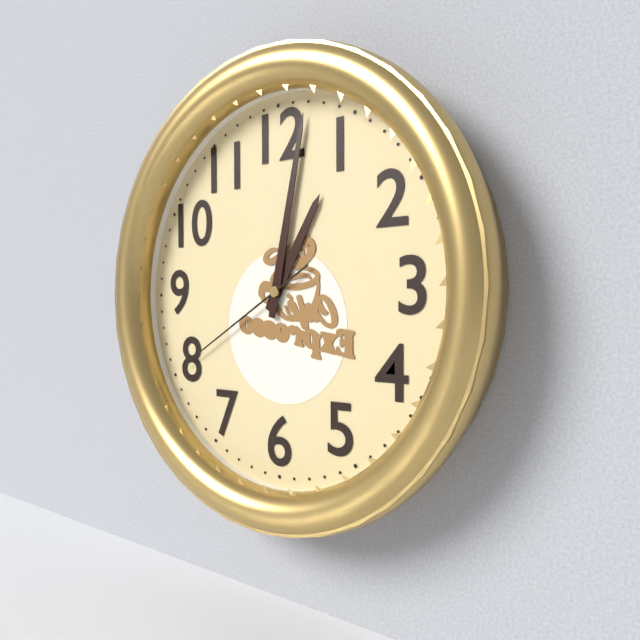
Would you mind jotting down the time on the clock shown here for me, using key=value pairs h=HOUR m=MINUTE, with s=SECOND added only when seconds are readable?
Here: h=1 m=2 s=40
